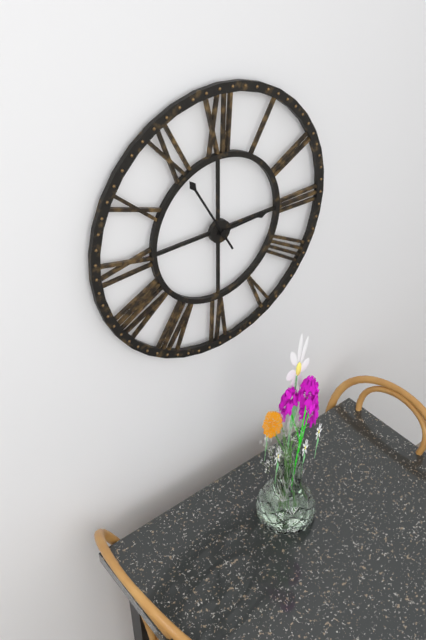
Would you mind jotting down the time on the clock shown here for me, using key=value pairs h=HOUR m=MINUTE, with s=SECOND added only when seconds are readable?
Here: h=2 m=55
